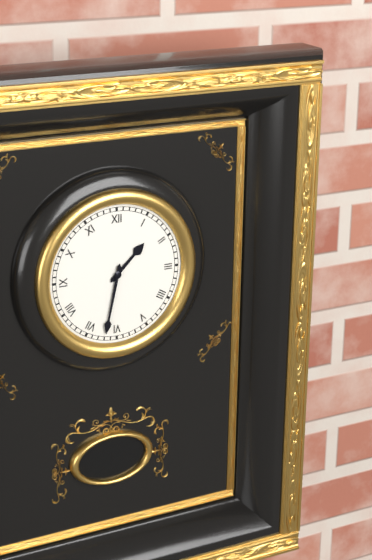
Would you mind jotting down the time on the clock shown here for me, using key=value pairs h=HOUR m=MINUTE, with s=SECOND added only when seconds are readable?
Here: h=1 m=32
